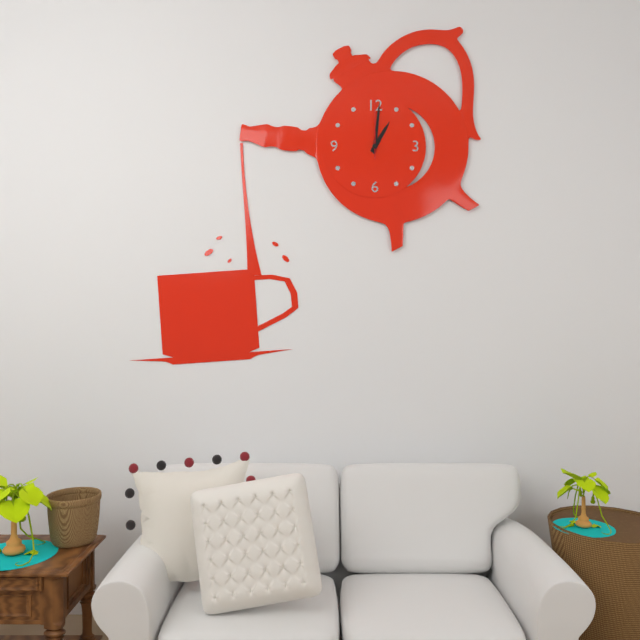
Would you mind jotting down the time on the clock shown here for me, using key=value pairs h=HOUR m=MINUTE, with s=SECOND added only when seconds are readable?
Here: h=1 m=1 s=0
